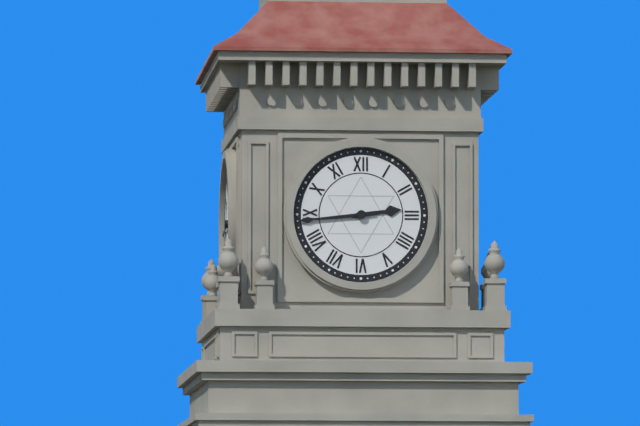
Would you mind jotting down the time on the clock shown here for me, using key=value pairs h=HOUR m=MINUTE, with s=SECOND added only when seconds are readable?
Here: h=2 m=44
